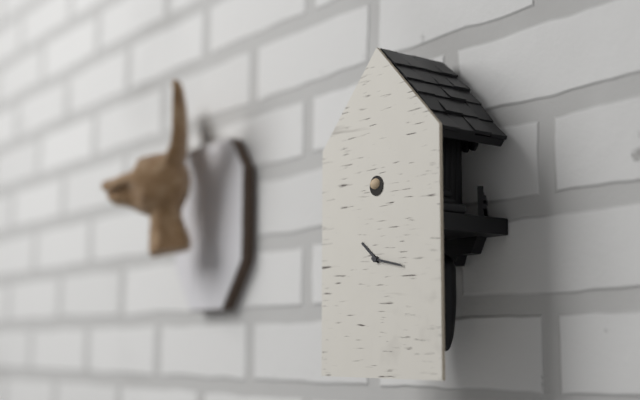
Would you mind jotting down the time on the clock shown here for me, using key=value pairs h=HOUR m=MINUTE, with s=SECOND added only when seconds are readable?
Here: h=10 m=17
